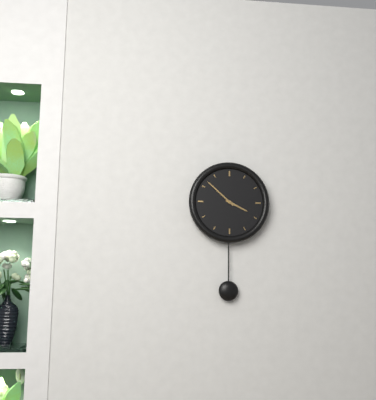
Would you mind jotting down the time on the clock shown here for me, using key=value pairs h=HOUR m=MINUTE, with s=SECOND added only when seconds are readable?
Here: h=3 m=52
